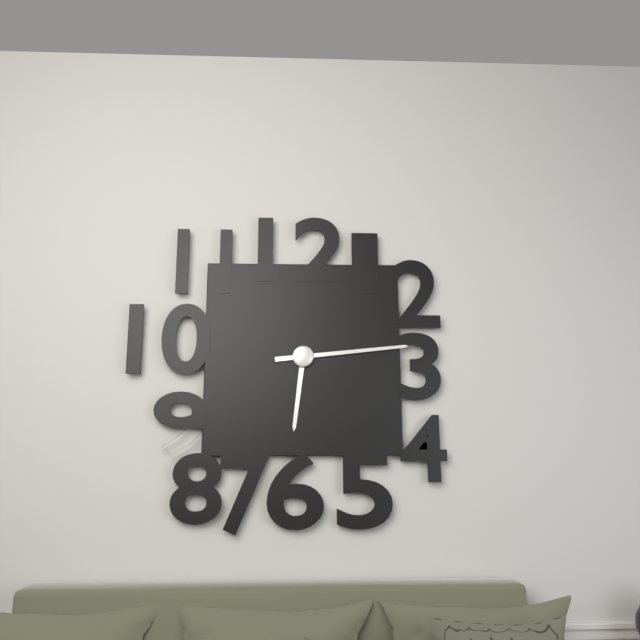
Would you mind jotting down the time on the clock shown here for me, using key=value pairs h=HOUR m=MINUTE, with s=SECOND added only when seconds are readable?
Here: h=6 m=14
